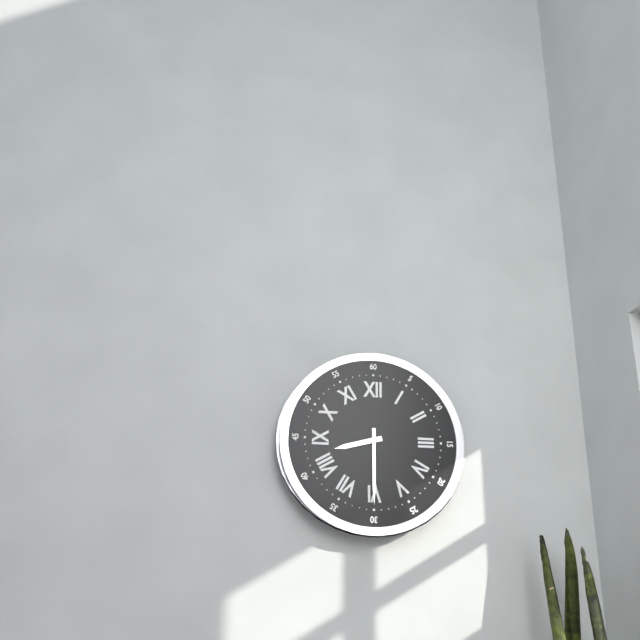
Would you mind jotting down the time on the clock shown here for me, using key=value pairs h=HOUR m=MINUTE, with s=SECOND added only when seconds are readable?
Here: h=8 m=30
